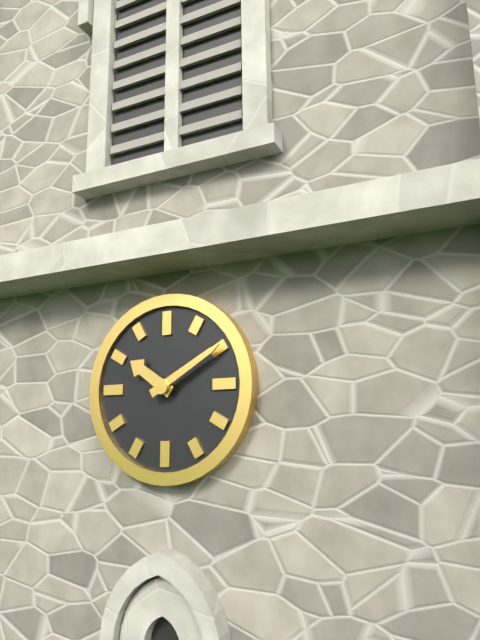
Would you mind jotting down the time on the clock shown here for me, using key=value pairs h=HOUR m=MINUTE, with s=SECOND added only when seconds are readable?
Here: h=10 m=10
